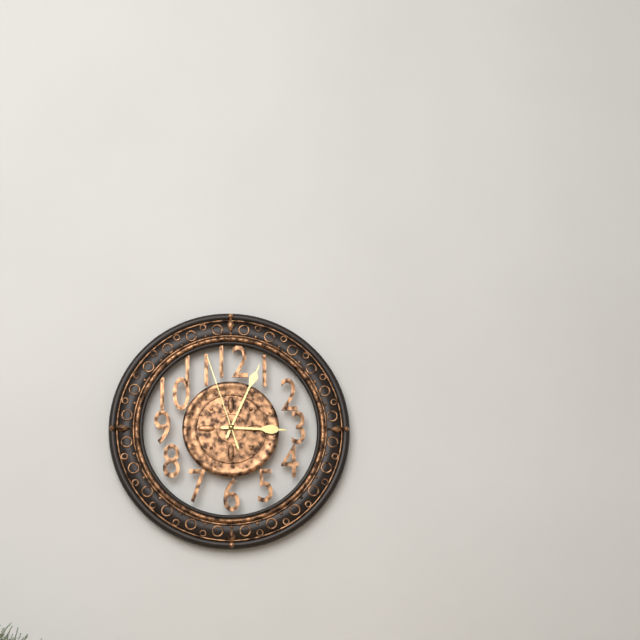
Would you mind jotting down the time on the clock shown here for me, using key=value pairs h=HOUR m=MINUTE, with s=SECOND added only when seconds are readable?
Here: h=3 m=4 s=57
